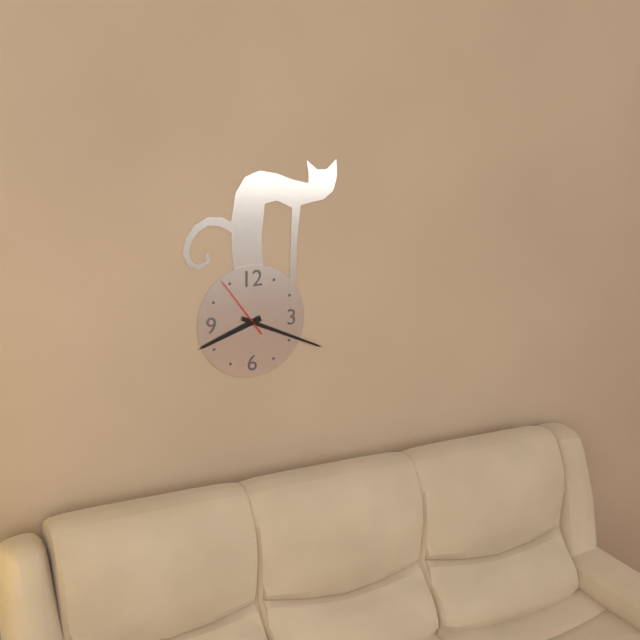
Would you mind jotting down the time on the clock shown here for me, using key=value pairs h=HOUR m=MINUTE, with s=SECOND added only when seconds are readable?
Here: h=8 m=19 s=54
